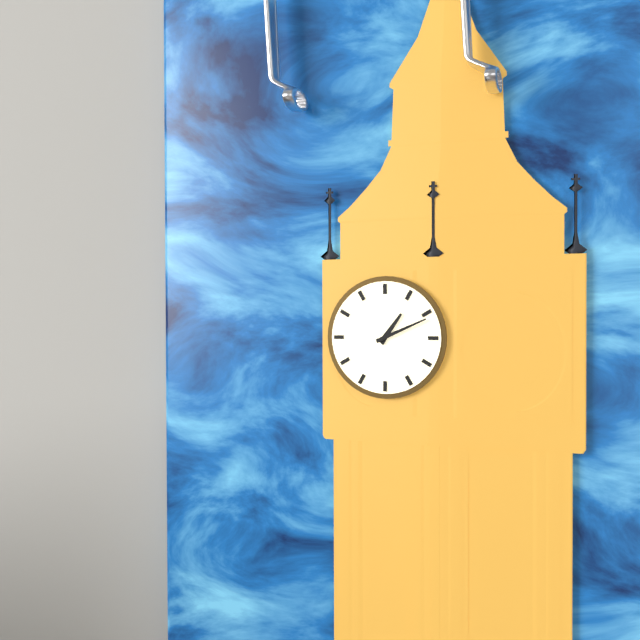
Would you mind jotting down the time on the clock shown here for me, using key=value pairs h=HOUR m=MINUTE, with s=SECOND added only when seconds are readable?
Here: h=1 m=11
